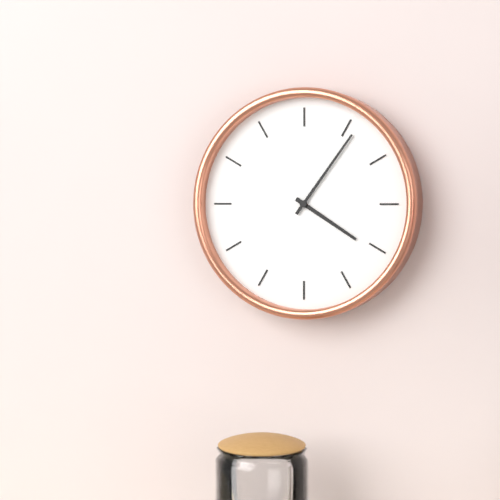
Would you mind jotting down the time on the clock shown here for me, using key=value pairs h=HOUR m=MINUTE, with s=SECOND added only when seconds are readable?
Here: h=4 m=6
